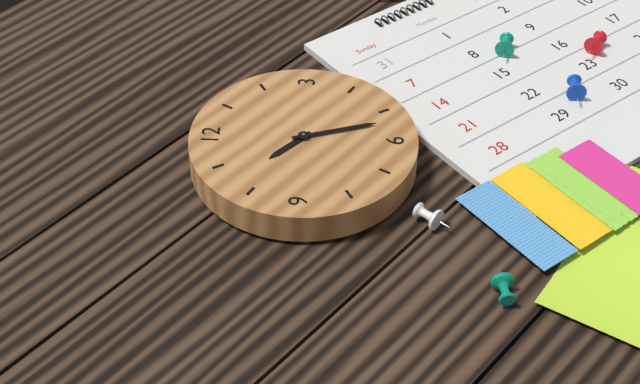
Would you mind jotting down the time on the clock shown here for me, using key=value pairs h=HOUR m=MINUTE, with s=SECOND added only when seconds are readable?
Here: h=10 m=27
